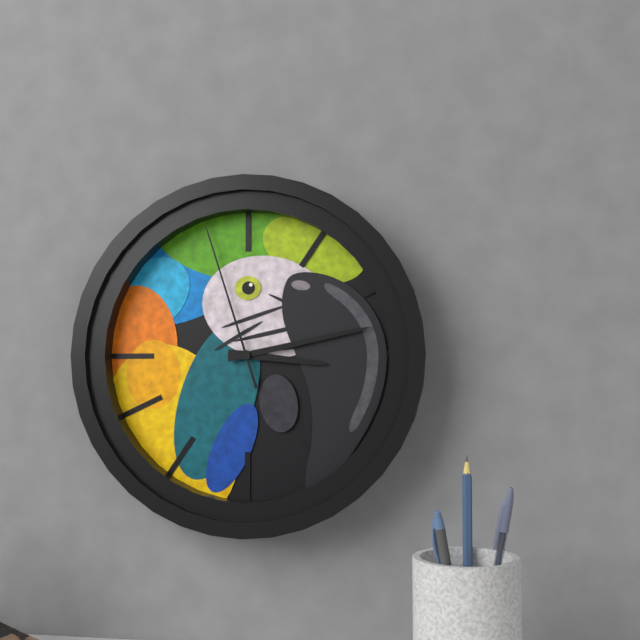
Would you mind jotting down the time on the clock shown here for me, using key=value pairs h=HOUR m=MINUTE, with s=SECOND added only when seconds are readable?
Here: h=3 m=13 s=57
